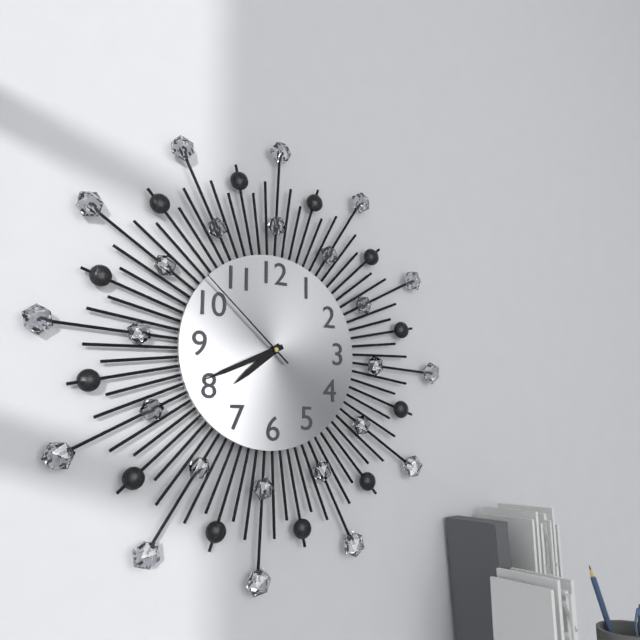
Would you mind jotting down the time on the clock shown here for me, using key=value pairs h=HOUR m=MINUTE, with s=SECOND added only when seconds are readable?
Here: h=7 m=41 s=52
